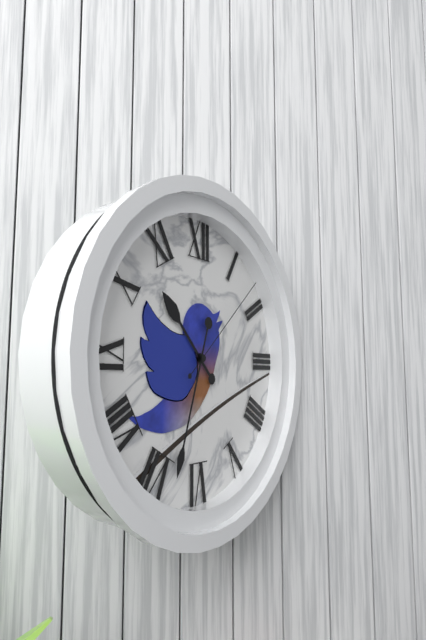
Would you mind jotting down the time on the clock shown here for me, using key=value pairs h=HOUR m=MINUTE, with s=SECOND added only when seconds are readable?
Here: h=10 m=33 s=8
